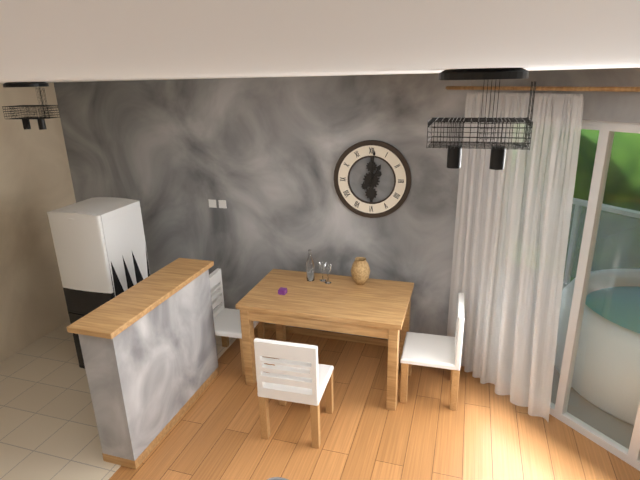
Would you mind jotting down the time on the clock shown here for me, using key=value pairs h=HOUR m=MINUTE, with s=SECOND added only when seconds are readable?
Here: h=1 m=1
